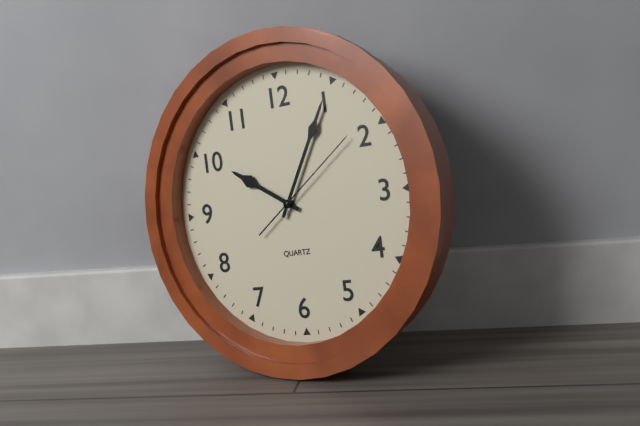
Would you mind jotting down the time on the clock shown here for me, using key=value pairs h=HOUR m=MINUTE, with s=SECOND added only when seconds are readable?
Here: h=10 m=5 s=9
